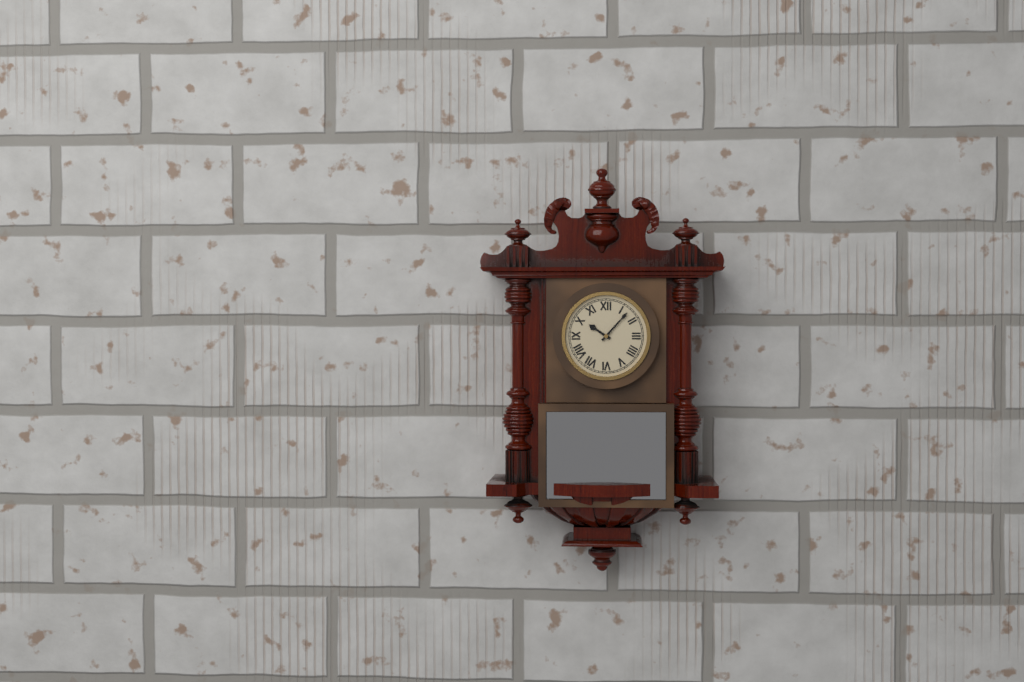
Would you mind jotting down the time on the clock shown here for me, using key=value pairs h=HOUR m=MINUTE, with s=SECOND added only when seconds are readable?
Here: h=10 m=7
